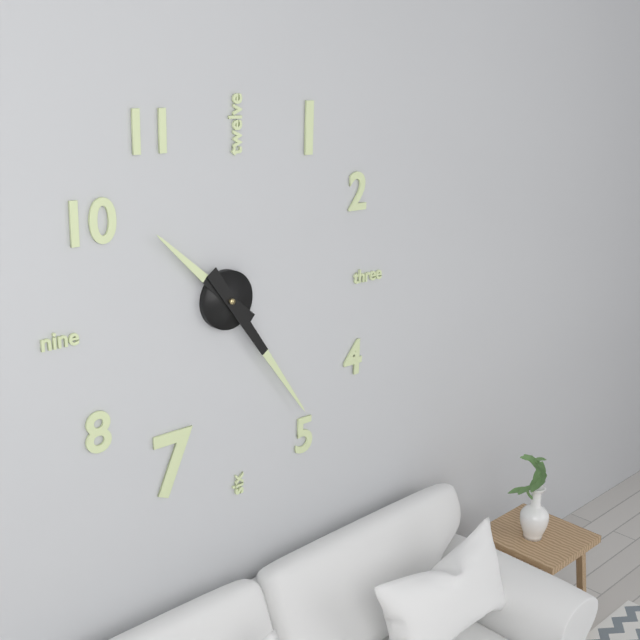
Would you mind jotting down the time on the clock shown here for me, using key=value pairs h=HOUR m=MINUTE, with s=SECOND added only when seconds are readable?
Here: h=10 m=24
